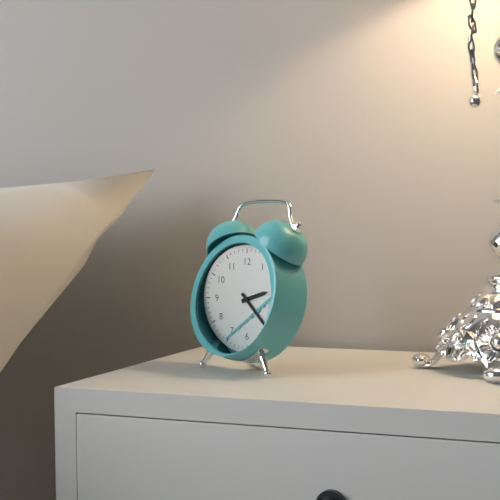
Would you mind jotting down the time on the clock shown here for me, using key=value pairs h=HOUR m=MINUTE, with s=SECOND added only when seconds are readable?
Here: h=2 m=23
